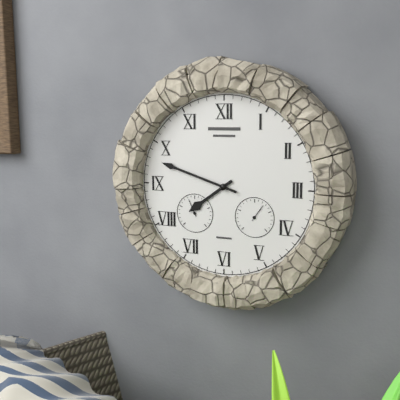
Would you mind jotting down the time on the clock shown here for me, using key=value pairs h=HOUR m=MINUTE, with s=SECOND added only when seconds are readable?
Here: h=7 m=48
